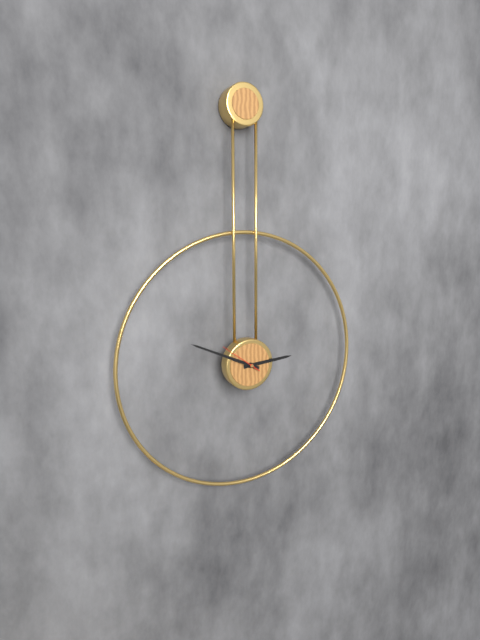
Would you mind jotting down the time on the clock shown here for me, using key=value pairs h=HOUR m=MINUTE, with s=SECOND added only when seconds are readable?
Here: h=2 m=49
